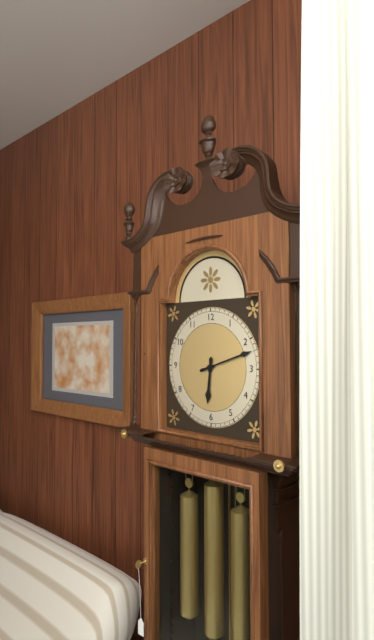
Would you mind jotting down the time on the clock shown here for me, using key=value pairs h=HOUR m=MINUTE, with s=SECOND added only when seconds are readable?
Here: h=6 m=12
